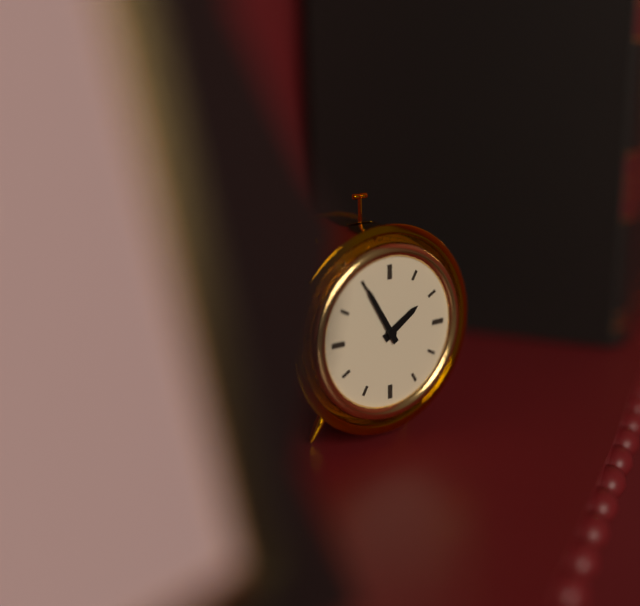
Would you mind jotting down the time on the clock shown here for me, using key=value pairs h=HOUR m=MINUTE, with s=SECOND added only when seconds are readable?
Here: h=1 m=55
